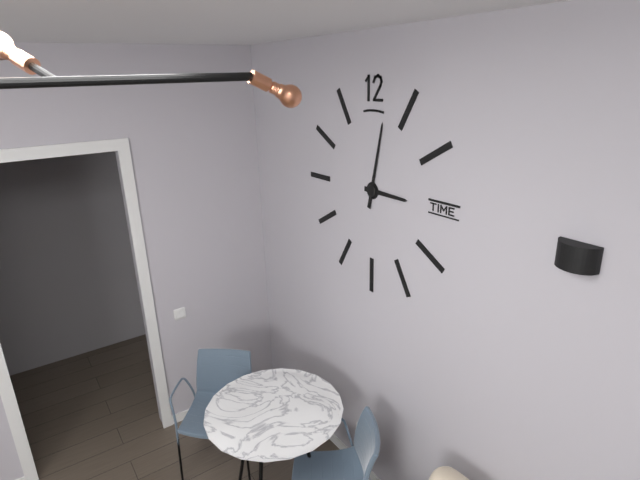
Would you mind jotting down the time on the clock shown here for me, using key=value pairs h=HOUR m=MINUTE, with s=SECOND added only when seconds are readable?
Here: h=3 m=2
